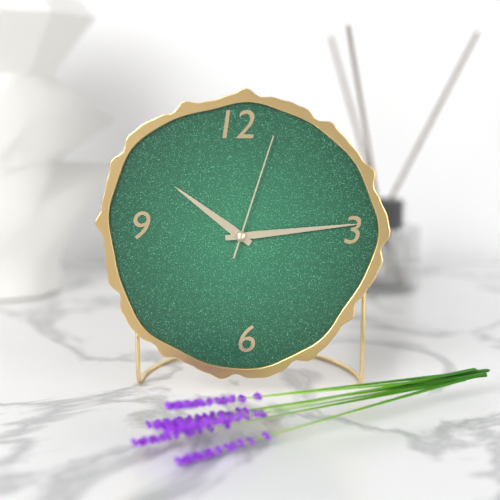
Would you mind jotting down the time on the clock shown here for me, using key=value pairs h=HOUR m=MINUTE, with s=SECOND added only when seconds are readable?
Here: h=10 m=14 s=3
